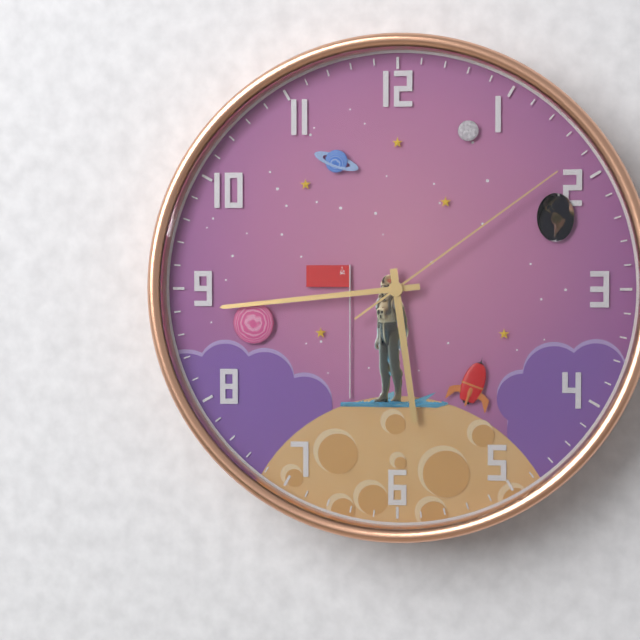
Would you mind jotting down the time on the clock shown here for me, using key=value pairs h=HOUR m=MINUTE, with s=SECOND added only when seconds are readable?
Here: h=5 m=44 s=9
